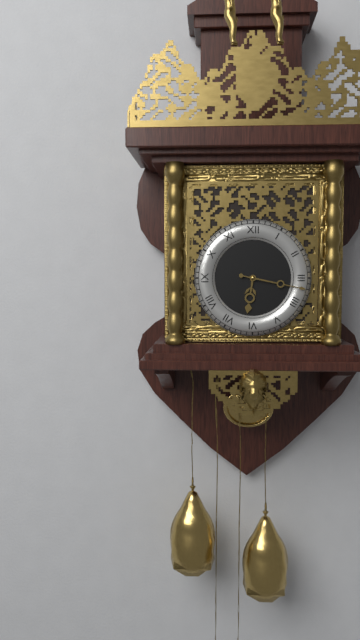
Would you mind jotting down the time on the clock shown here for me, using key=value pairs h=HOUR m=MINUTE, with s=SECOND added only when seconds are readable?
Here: h=6 m=17
